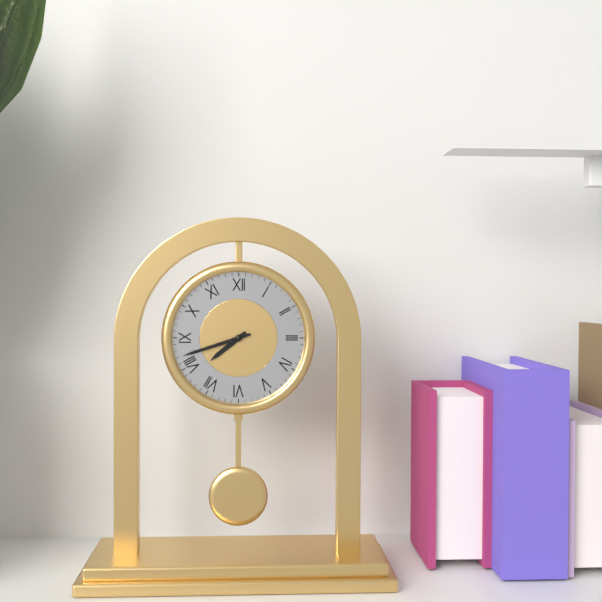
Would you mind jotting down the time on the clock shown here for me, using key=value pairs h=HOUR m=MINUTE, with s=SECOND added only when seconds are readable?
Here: h=7 m=42
